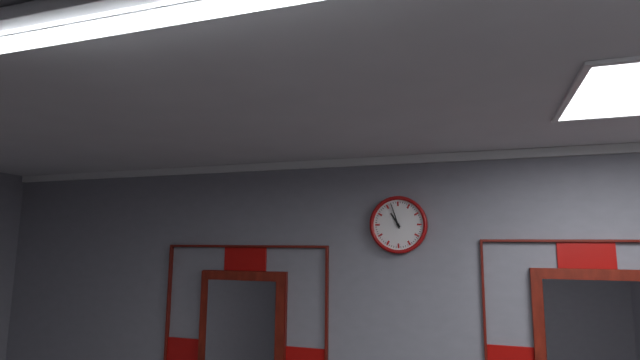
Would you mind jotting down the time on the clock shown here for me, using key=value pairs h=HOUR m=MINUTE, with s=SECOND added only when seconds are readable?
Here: h=10 m=57
